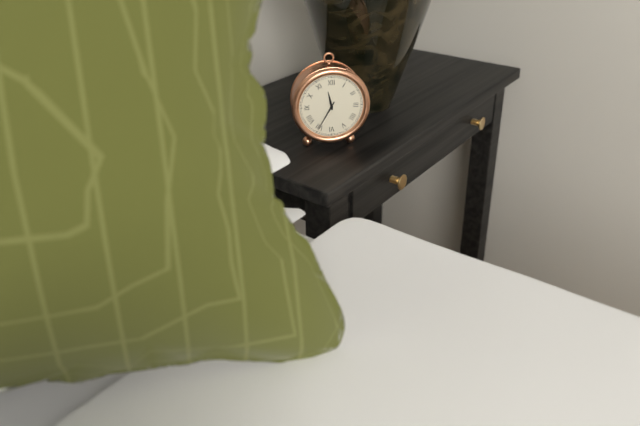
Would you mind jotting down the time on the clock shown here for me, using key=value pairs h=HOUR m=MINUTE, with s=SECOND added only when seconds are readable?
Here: h=11 m=35
